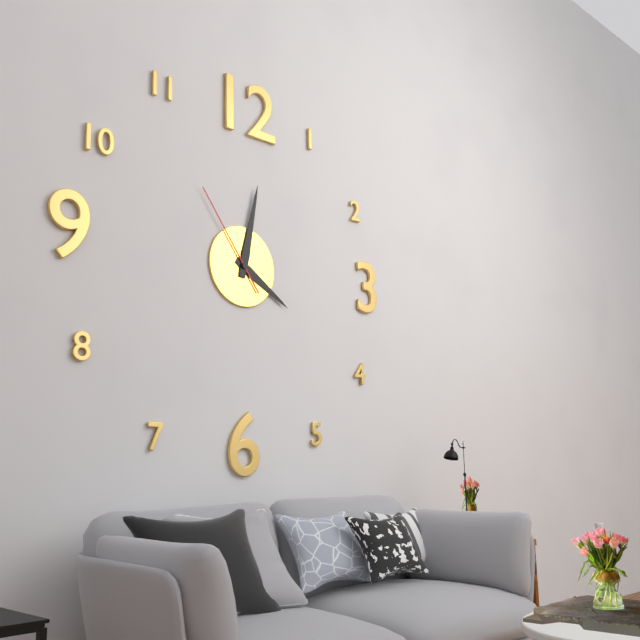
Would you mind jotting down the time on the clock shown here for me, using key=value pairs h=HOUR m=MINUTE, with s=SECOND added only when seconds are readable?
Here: h=4 m=2 s=54
